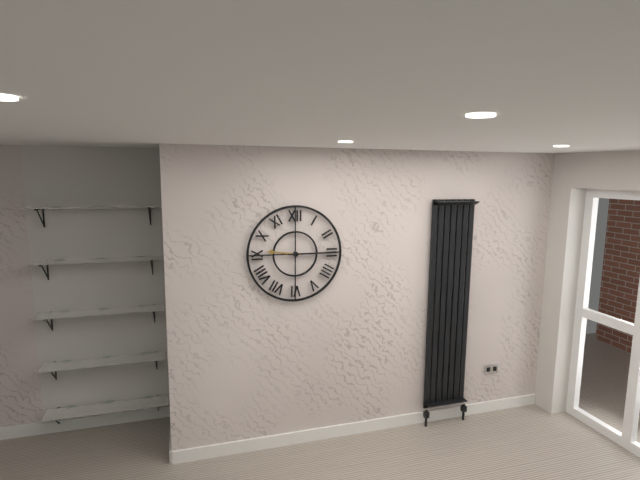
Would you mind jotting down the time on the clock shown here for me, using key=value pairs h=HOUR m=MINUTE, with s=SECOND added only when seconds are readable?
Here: h=9 m=15
